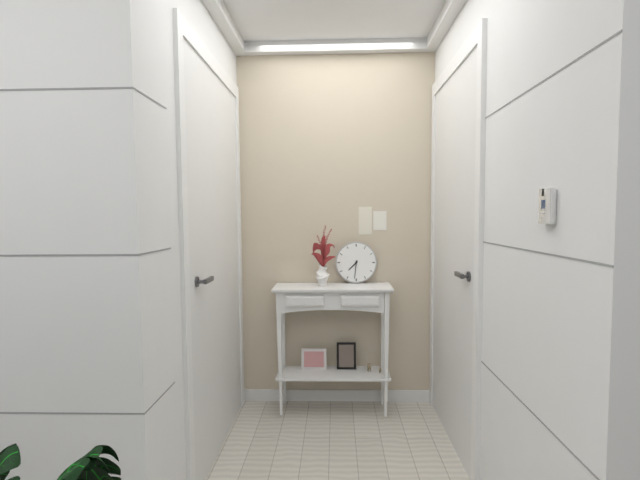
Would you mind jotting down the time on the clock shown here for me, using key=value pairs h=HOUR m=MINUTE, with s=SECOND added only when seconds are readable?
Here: h=7 m=31
